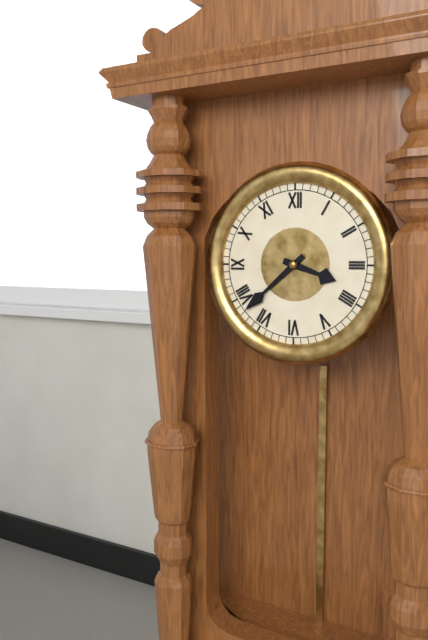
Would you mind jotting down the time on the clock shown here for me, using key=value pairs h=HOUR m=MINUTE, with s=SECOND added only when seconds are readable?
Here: h=3 m=38
